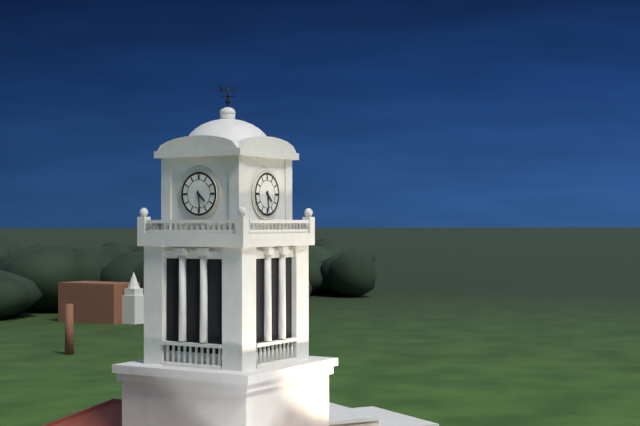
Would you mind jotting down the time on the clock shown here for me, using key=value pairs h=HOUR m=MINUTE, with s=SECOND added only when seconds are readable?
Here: h=4 m=29
